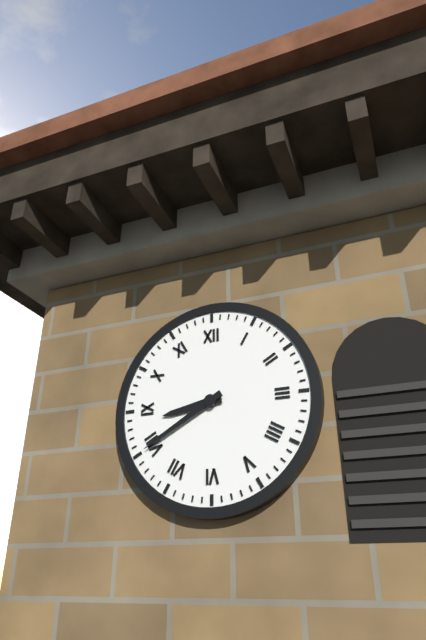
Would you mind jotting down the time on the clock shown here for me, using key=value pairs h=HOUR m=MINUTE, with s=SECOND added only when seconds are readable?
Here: h=8 m=40
